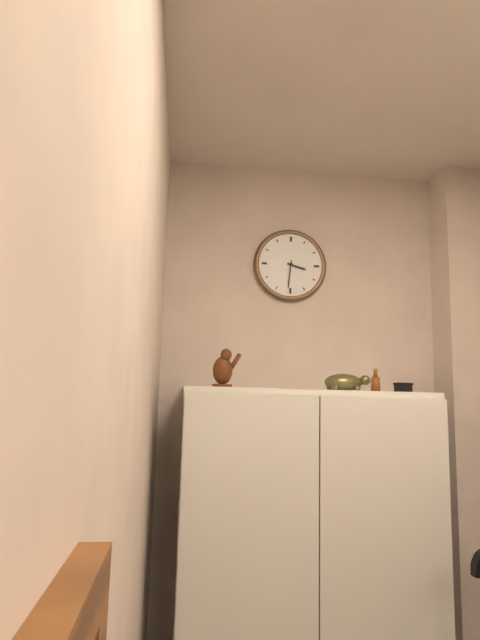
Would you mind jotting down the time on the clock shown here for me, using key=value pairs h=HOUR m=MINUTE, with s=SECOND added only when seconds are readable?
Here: h=3 m=31
